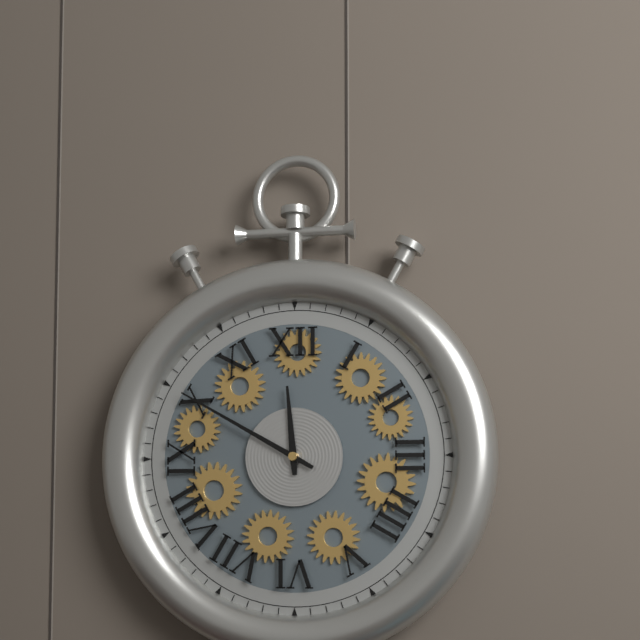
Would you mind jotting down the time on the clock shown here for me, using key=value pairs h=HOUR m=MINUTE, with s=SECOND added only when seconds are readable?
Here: h=11 m=50
